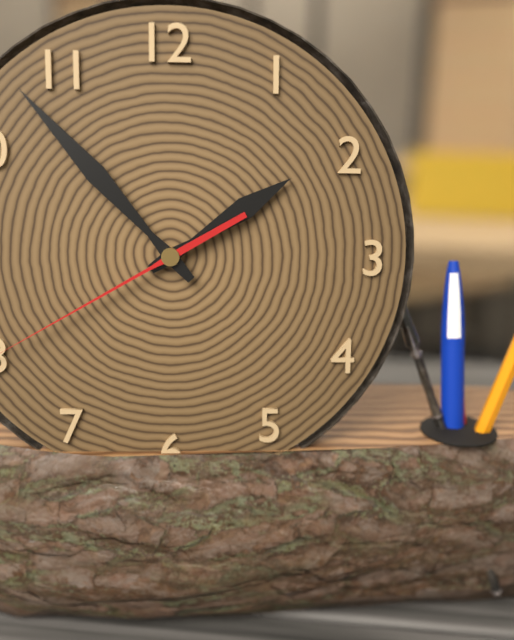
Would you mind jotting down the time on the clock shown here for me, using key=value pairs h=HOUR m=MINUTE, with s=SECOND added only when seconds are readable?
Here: h=1 m=53
